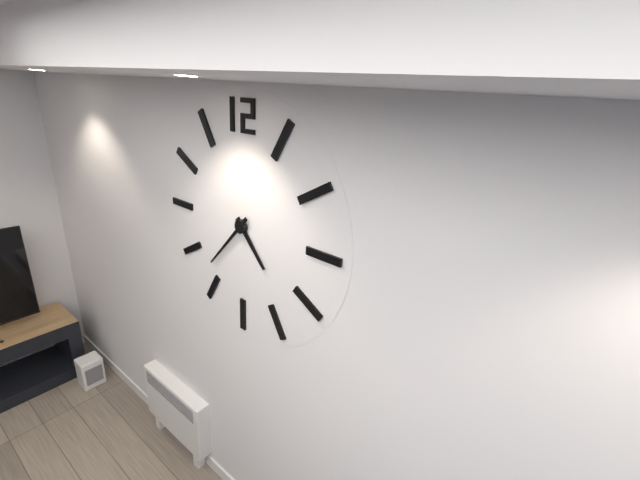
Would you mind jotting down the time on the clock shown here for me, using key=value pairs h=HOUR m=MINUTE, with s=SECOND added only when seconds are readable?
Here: h=4 m=37
